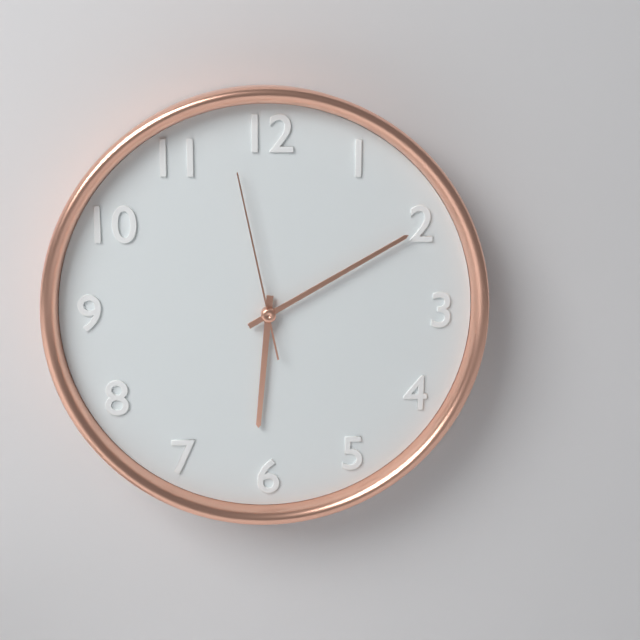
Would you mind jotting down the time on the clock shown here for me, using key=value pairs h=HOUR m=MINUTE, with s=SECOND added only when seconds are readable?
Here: h=6 m=10 s=58
